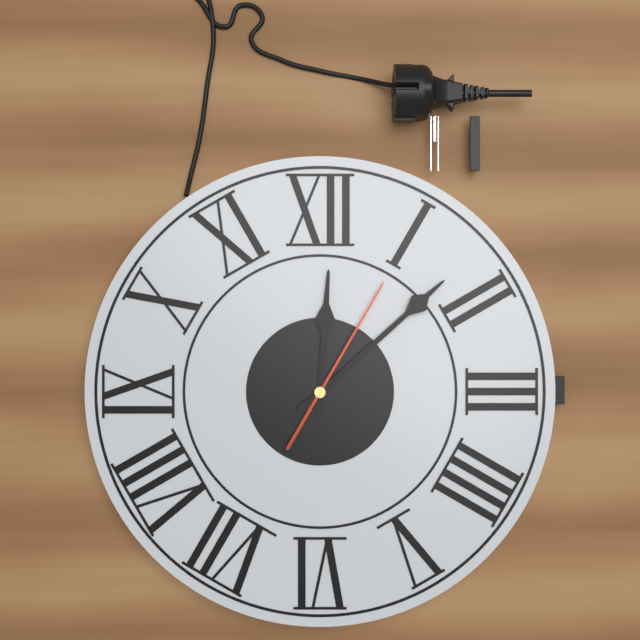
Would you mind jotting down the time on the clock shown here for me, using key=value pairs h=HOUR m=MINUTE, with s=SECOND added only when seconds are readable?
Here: h=12 m=8 s=5
